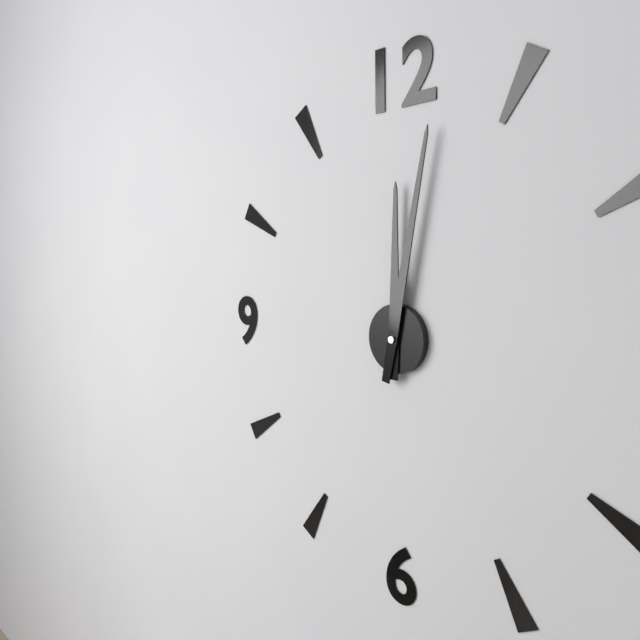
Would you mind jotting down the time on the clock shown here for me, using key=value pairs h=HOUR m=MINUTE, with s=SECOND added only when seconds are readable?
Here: h=12 m=2
